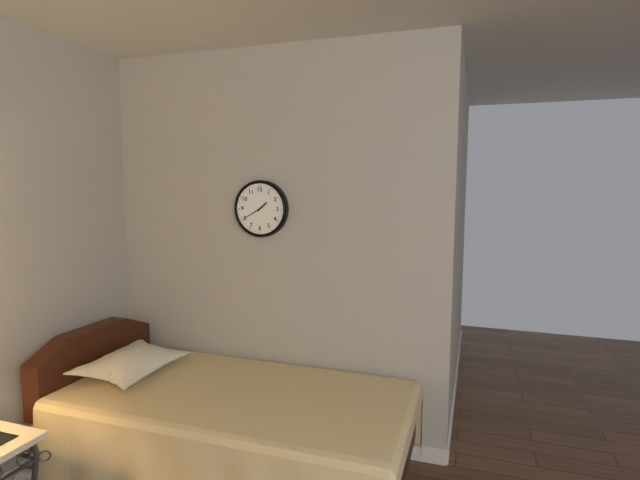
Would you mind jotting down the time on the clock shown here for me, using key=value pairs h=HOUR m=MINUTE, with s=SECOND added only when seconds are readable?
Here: h=1 m=40
